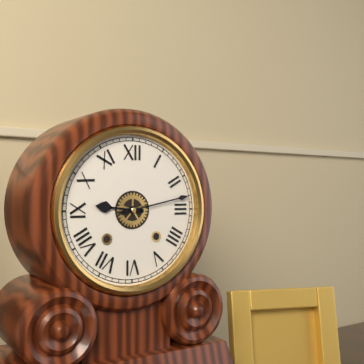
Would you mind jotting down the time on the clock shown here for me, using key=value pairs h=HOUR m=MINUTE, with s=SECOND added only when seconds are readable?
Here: h=9 m=13
